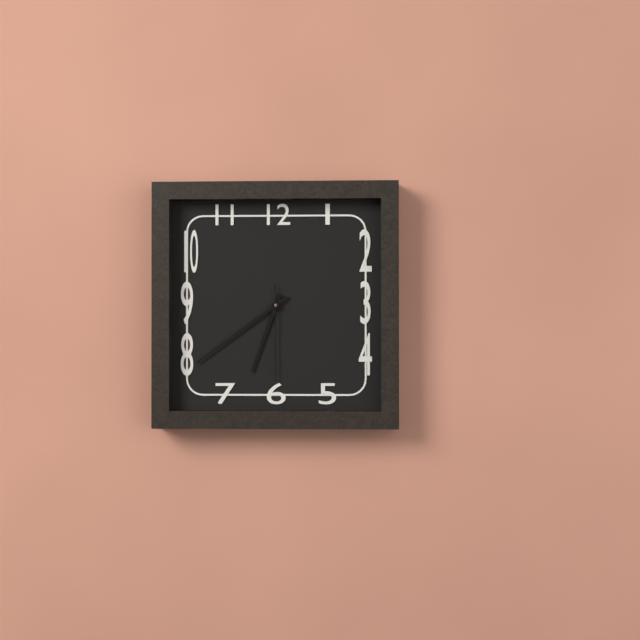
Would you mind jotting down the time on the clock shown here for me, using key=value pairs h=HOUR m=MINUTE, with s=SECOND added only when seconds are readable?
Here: h=6 m=39 s=30
